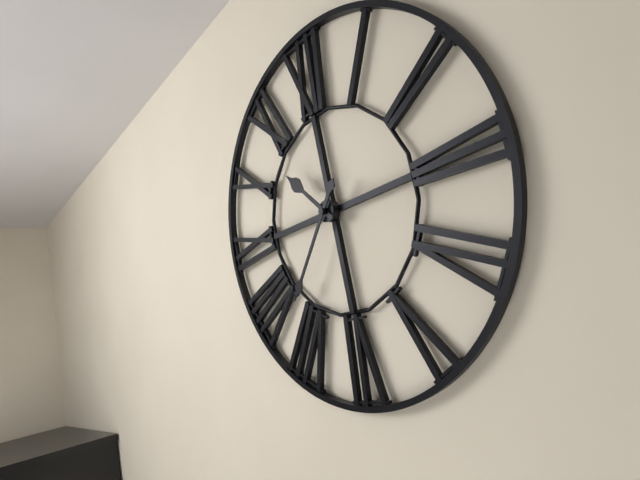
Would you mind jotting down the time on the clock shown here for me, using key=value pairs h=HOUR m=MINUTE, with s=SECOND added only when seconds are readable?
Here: h=10 m=37
